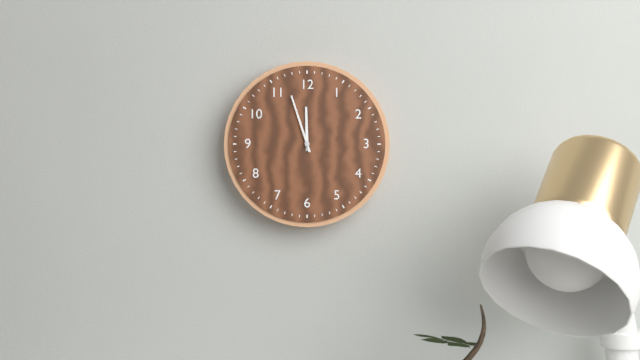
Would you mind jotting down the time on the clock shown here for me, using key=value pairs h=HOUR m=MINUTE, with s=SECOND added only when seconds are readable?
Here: h=11 m=57
